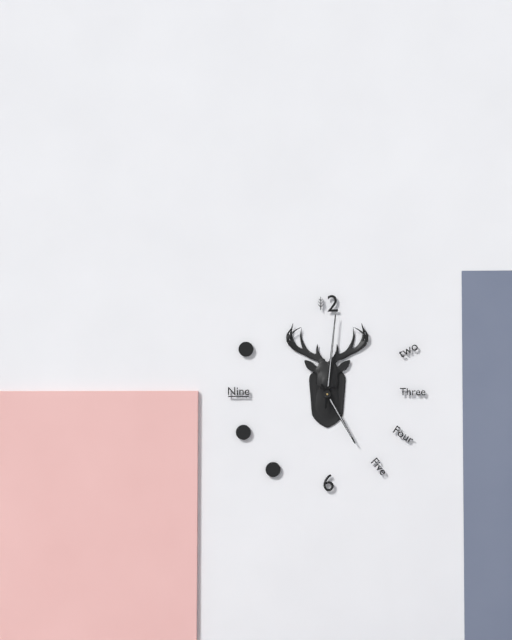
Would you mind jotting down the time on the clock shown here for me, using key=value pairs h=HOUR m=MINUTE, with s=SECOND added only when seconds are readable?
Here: h=5 m=1
